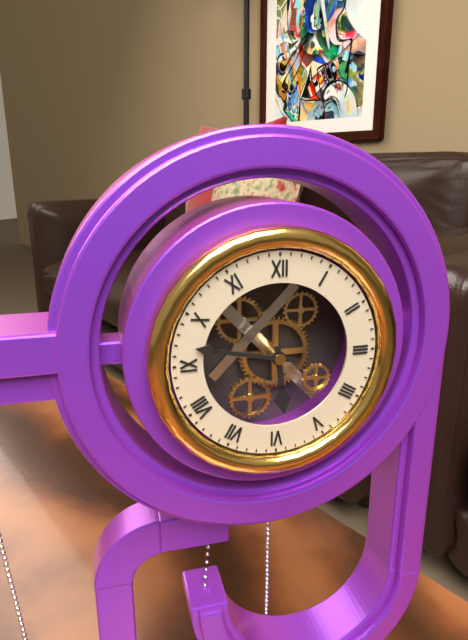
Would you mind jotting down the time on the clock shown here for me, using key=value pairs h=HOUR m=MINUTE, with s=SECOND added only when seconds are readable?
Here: h=5 m=47
